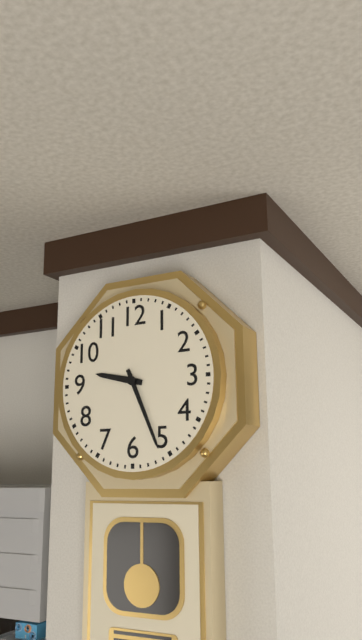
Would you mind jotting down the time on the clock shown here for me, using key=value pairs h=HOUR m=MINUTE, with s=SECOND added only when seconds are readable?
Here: h=9 m=26
